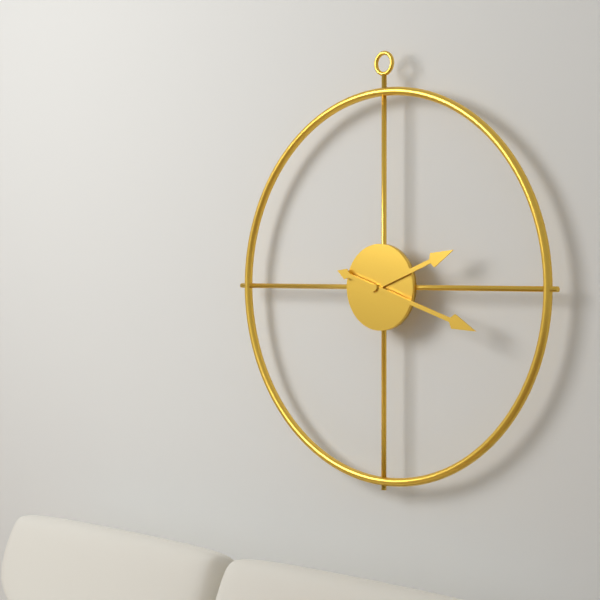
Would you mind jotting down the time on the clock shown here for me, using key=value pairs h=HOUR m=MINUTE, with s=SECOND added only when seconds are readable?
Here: h=2 m=18
